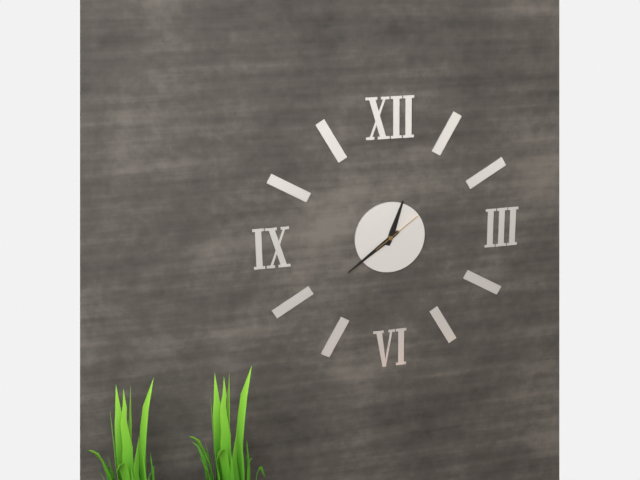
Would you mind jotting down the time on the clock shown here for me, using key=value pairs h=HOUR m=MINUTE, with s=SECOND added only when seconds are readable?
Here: h=12 m=39
